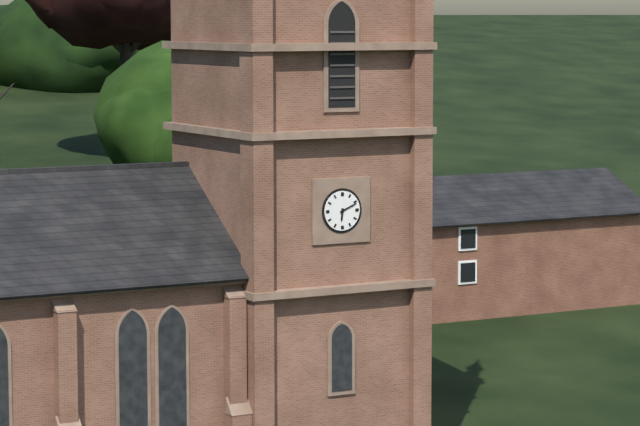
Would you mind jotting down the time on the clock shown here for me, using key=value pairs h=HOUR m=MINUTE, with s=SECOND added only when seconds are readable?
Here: h=6 m=11
